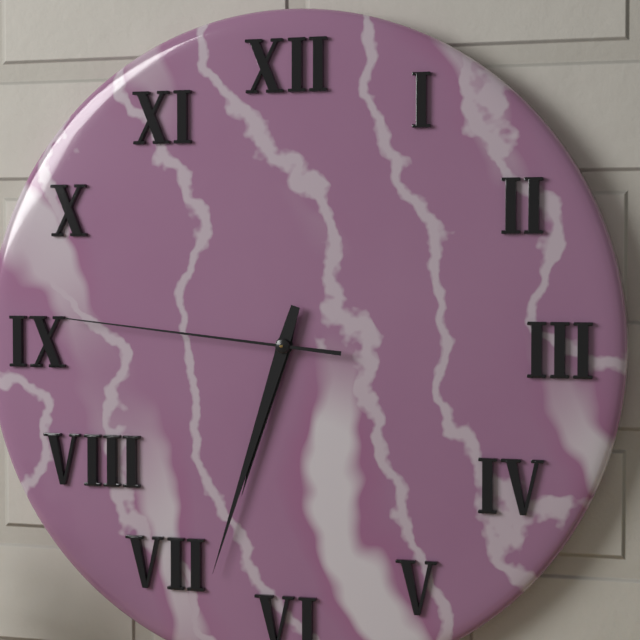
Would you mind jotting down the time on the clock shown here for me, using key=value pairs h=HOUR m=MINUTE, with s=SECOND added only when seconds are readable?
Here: h=6 m=33 s=46
